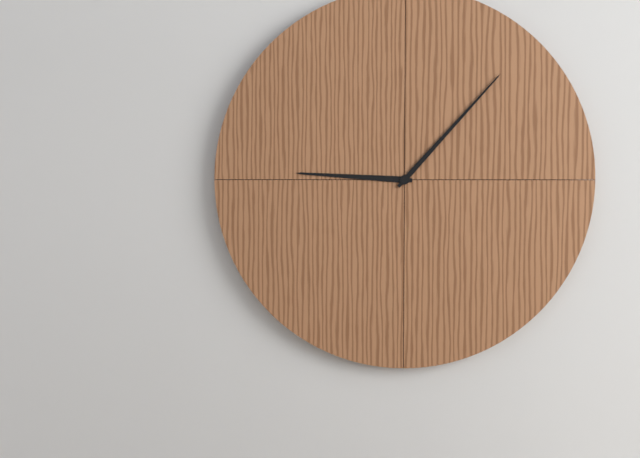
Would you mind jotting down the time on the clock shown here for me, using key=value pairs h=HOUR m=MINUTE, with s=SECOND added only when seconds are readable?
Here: h=9 m=7
